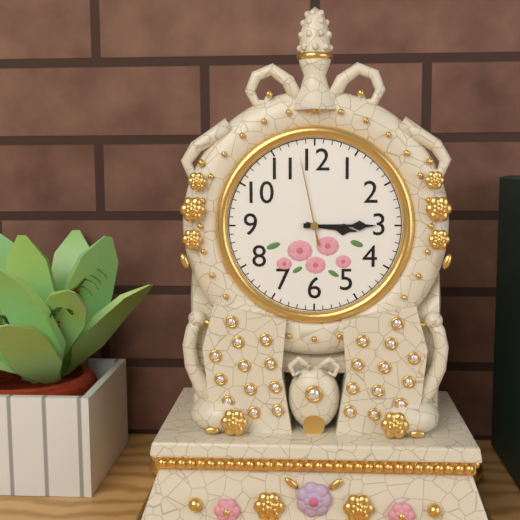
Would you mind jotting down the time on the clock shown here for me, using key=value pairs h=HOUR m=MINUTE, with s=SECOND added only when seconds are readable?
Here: h=3 m=15 s=58
